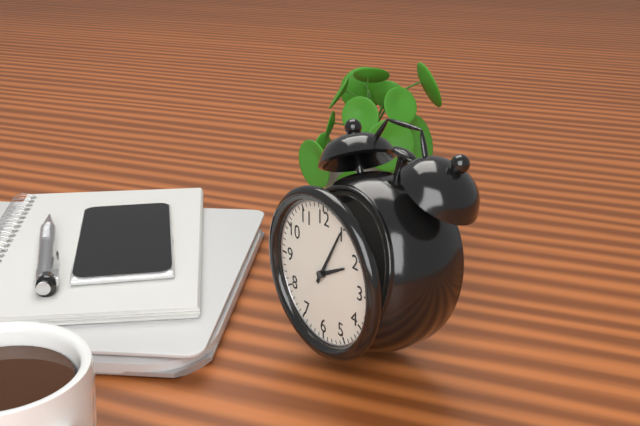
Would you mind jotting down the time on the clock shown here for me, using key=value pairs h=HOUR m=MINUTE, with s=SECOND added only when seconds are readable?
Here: h=2 m=5
